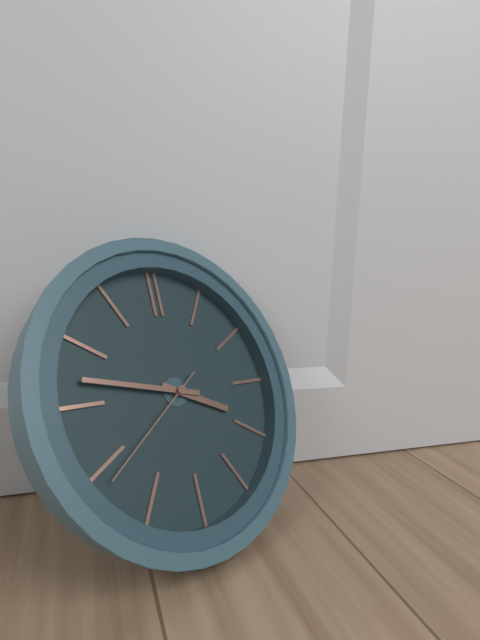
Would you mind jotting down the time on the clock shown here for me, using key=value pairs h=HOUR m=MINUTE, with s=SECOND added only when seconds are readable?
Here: h=3 m=47 s=39
